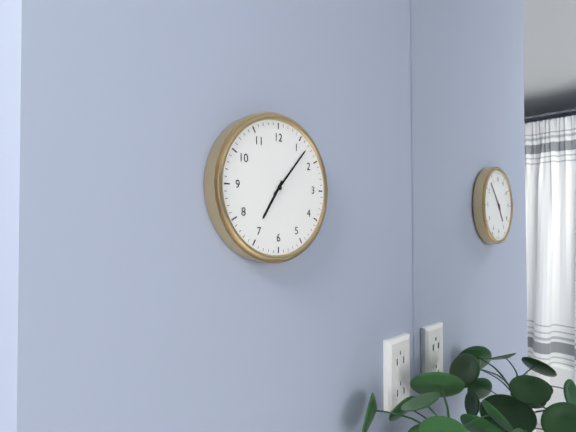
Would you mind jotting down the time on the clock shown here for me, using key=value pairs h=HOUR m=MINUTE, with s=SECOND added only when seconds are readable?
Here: h=7 m=7
